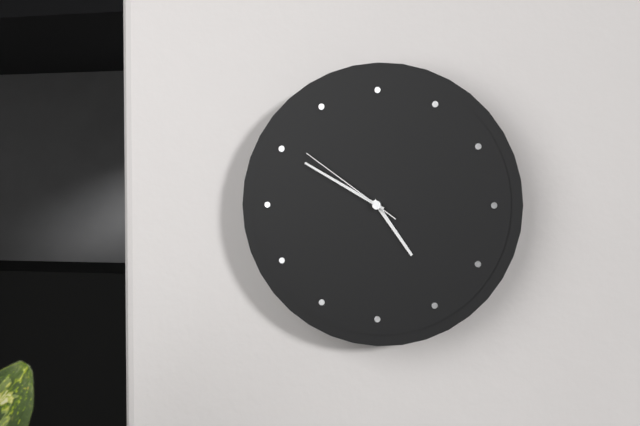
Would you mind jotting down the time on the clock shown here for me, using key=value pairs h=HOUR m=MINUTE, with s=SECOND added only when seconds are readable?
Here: h=4 m=50 s=51
